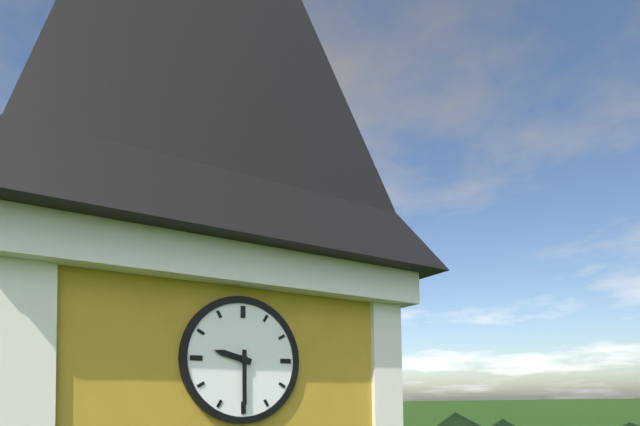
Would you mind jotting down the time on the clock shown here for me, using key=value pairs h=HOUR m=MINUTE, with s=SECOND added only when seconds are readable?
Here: h=9 m=30
